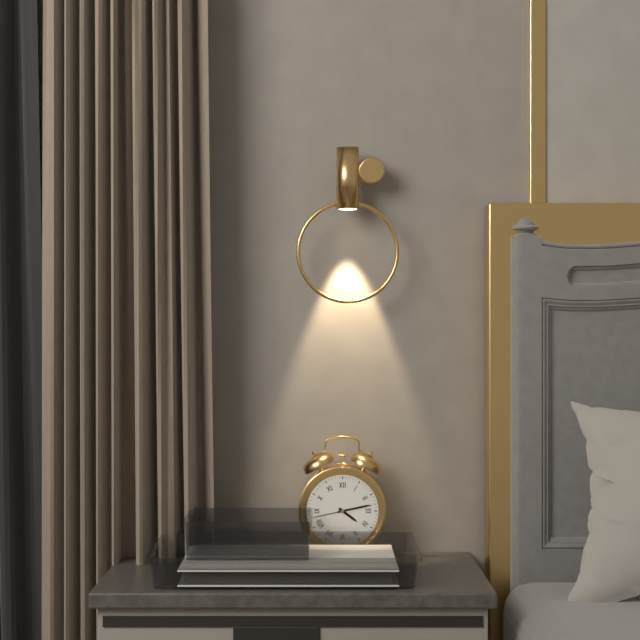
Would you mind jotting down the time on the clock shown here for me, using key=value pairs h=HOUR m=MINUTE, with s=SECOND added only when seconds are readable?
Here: h=4 m=13
